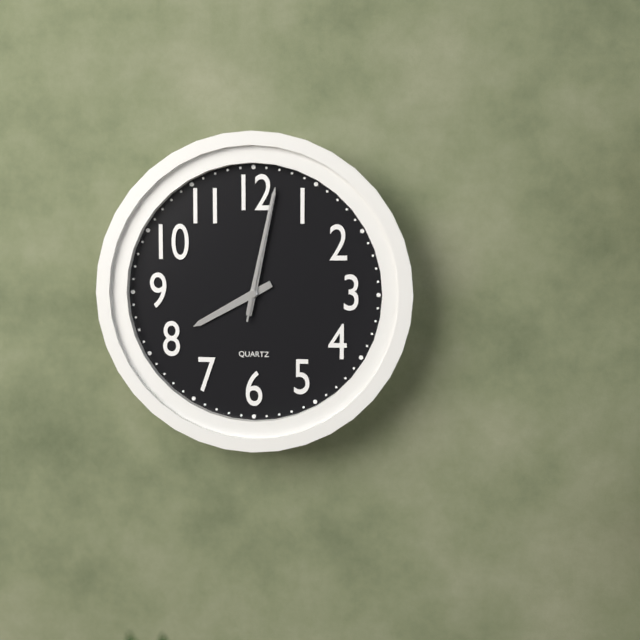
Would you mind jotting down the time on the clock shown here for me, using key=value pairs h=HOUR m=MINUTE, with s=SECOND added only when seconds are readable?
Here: h=8 m=2 s=2
